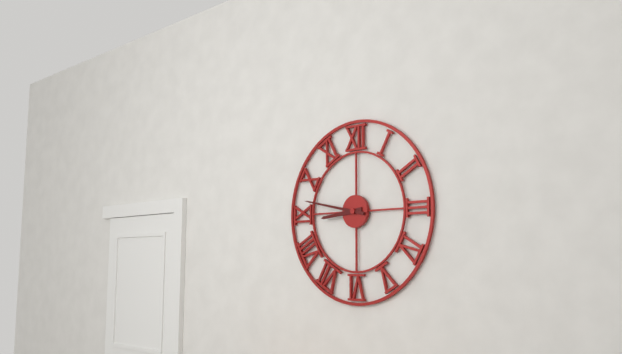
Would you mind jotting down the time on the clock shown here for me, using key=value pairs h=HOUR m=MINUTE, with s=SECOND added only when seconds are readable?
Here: h=8 m=47
